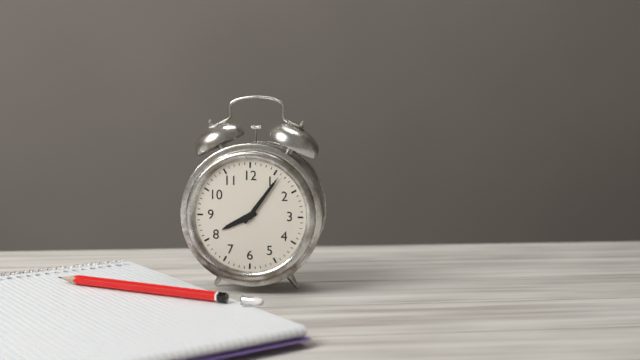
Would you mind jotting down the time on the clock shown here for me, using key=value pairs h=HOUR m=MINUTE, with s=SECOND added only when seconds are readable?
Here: h=8 m=6
